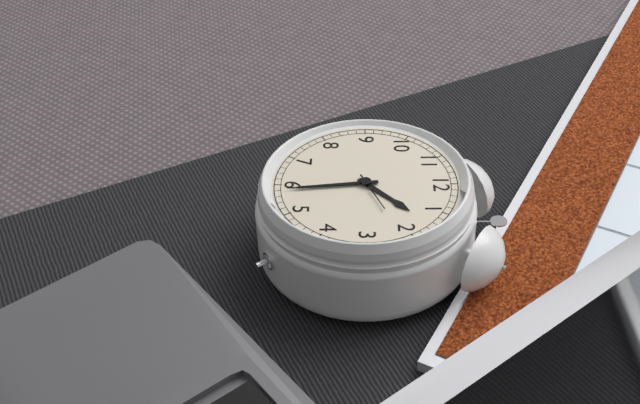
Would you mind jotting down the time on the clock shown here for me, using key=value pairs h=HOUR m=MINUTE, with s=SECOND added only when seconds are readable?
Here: h=1 m=29
